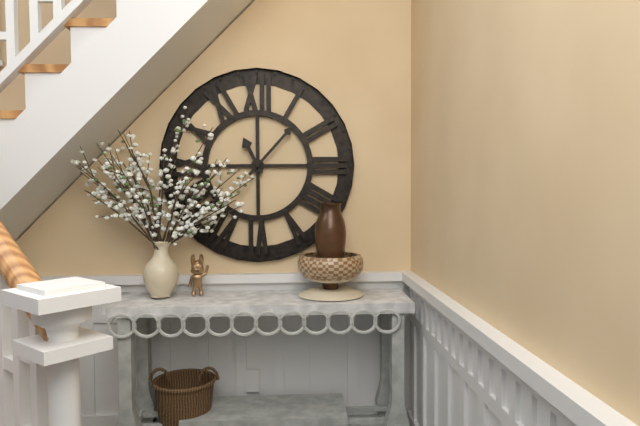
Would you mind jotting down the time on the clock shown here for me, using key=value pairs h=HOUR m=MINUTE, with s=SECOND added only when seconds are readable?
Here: h=11 m=7
